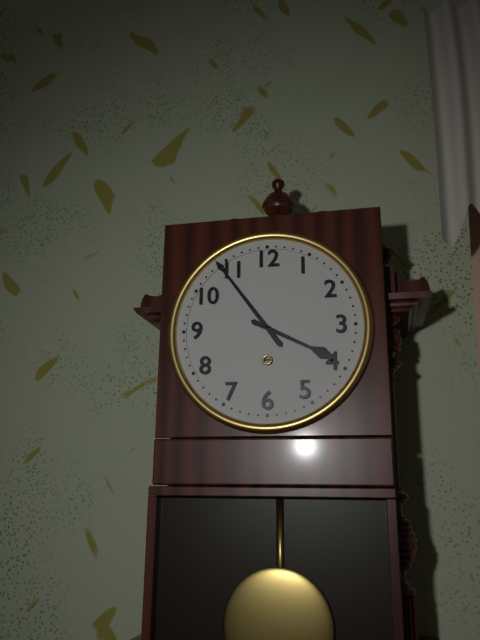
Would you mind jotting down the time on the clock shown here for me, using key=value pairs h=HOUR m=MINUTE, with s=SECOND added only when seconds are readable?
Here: h=3 m=54
